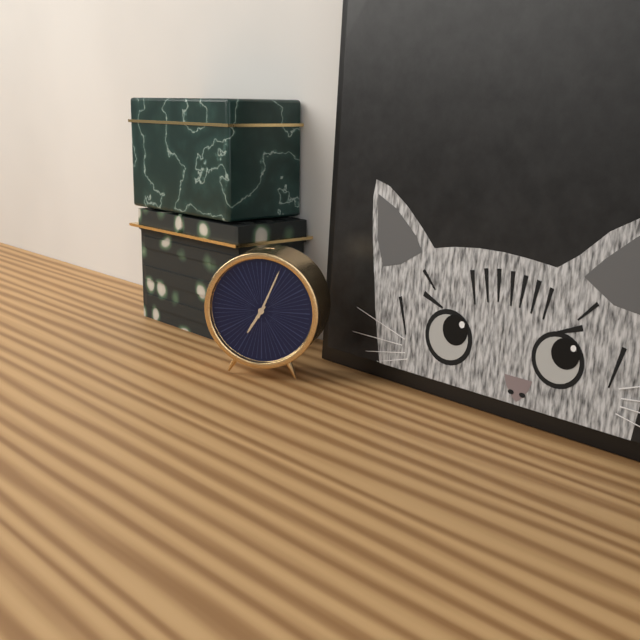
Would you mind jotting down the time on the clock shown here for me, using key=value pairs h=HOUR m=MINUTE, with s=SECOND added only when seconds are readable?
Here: h=7 m=4
